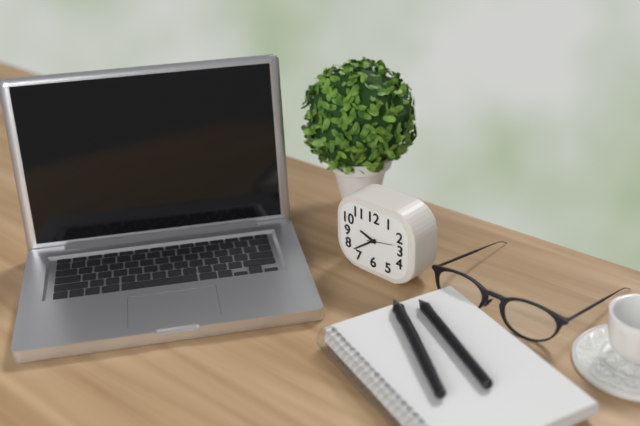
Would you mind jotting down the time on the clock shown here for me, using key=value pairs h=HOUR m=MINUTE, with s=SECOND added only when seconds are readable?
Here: h=9 m=39
